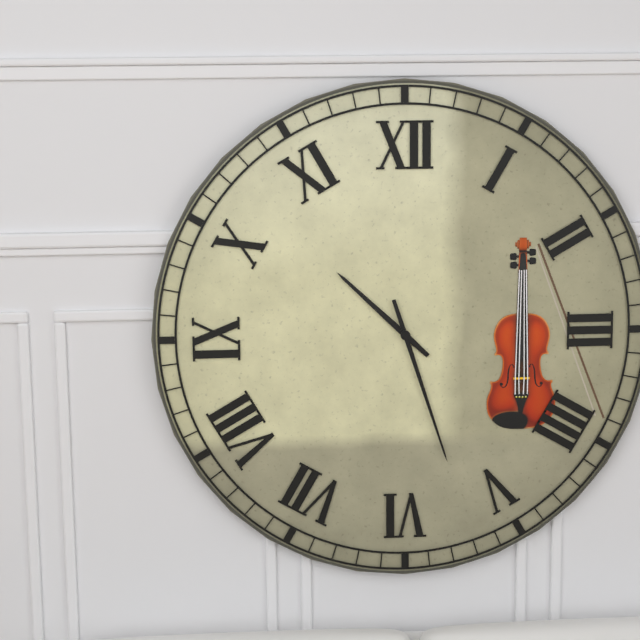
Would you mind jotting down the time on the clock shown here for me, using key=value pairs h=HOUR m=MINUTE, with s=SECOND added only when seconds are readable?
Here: h=10 m=27
